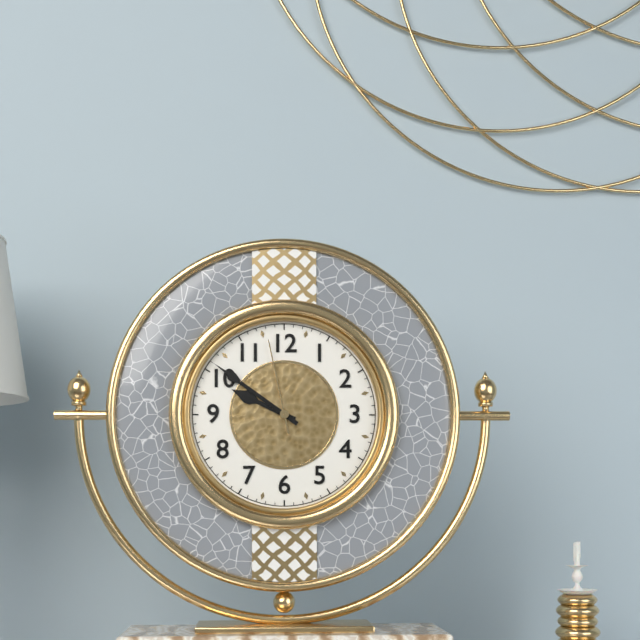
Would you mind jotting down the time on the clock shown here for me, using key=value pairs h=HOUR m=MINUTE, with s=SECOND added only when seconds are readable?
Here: h=9 m=51 s=58
